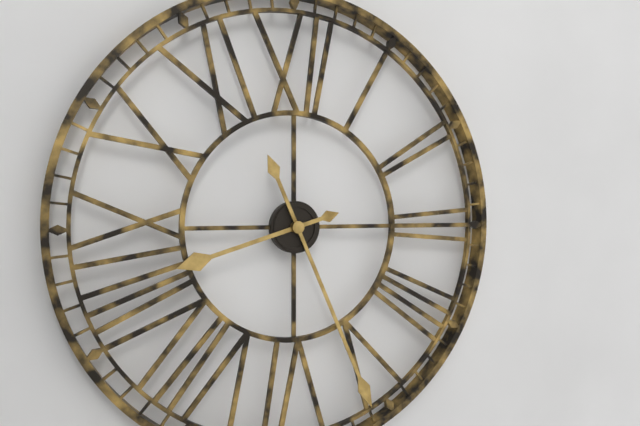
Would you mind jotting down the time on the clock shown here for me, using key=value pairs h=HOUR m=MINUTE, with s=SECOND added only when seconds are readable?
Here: h=8 m=26
